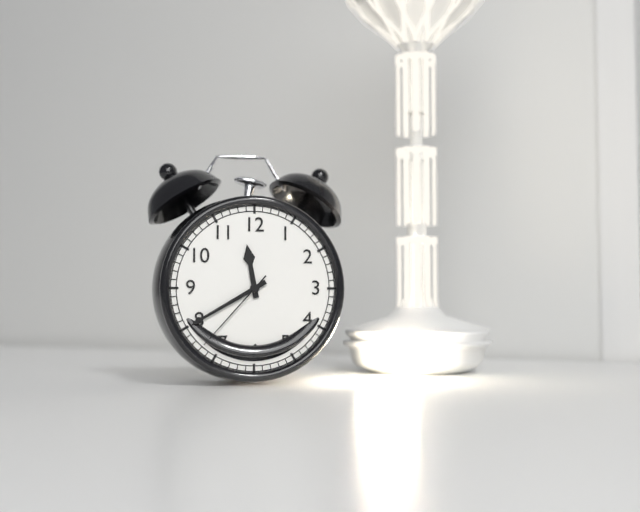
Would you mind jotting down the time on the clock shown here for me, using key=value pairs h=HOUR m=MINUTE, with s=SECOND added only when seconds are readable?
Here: h=11 m=40 s=37
